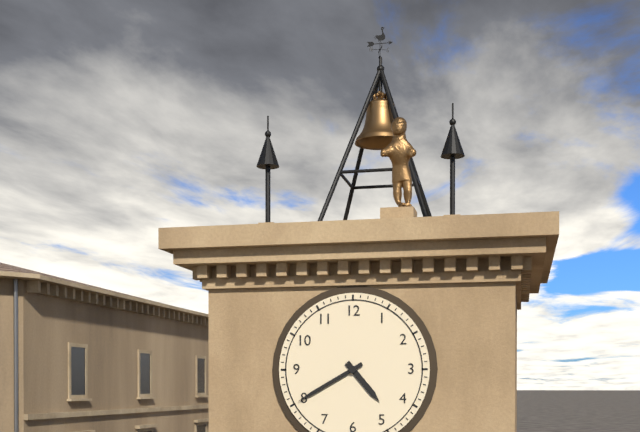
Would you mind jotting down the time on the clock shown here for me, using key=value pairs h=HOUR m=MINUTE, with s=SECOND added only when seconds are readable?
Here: h=4 m=40
